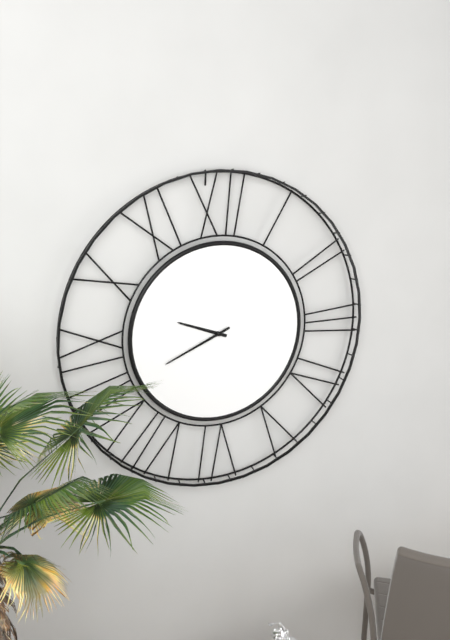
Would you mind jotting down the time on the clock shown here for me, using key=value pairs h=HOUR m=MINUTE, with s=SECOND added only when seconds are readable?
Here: h=9 m=41
